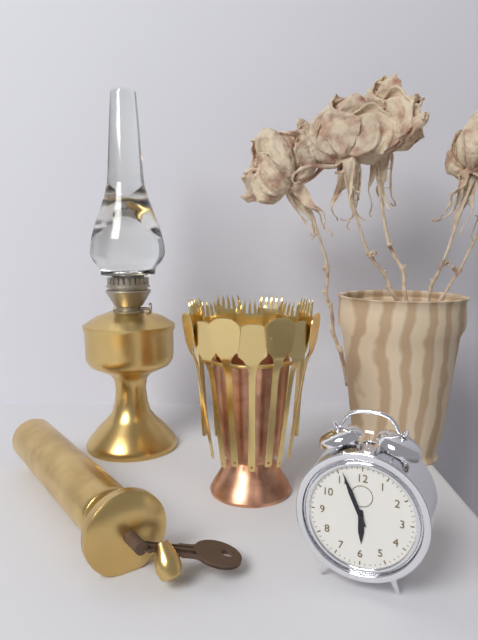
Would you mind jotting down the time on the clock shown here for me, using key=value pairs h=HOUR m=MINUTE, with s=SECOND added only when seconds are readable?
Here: h=5 m=56
